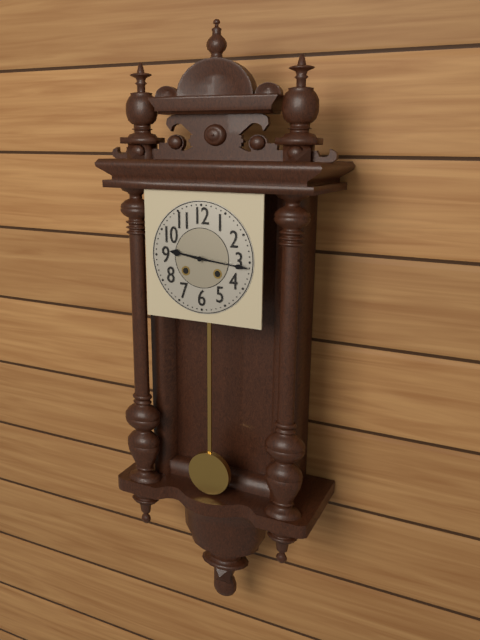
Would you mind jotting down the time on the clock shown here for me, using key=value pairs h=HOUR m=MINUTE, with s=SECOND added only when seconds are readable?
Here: h=9 m=16
